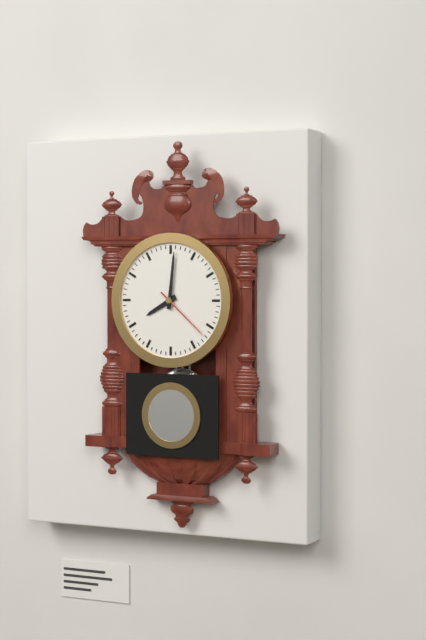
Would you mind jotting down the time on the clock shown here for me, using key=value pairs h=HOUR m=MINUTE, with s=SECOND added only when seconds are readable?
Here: h=8 m=1 s=22
